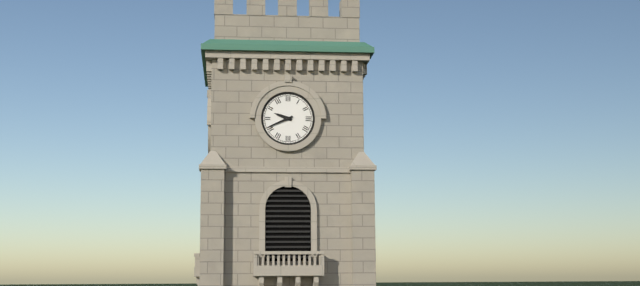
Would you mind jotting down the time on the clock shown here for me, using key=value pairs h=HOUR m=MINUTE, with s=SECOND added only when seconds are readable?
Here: h=9 m=41
